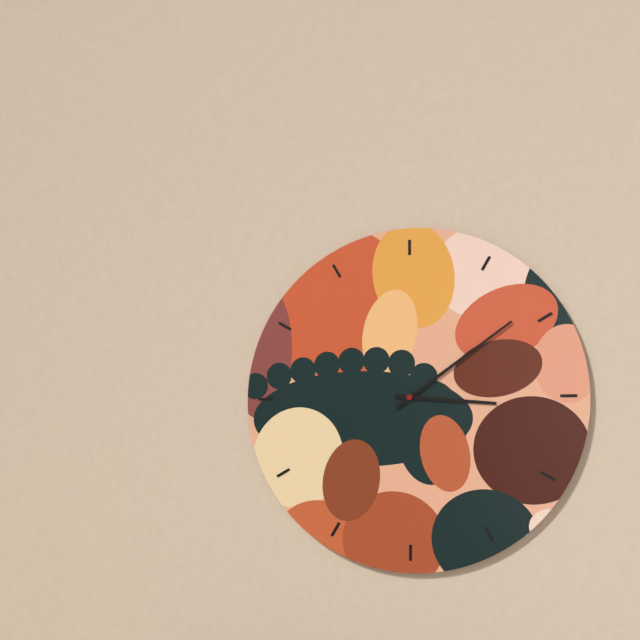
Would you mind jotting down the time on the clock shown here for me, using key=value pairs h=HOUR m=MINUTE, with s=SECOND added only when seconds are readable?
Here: h=3 m=9
